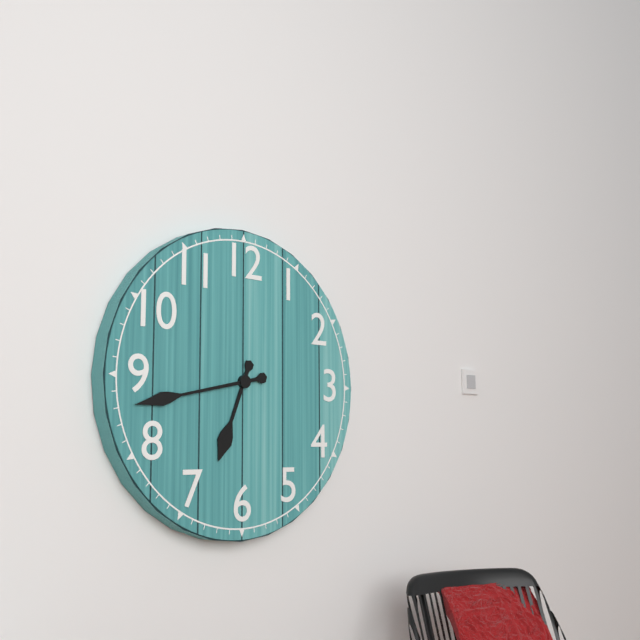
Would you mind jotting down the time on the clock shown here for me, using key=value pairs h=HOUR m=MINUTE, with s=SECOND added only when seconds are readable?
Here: h=6 m=43
